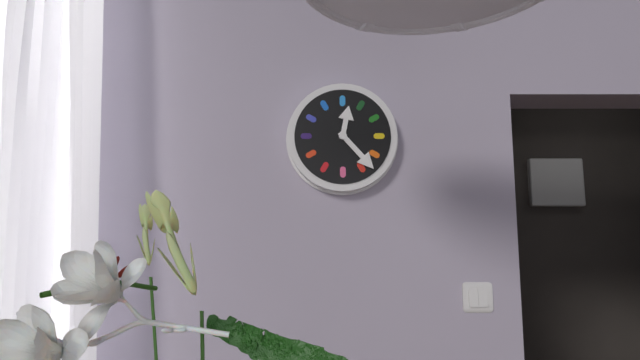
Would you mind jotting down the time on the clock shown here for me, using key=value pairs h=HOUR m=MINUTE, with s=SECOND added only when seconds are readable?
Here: h=12 m=23
